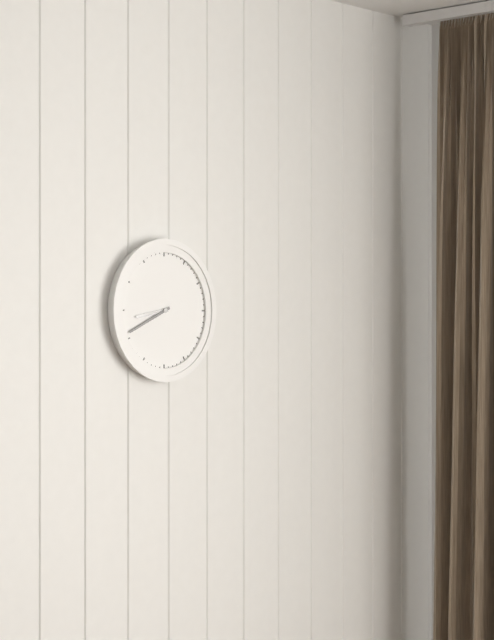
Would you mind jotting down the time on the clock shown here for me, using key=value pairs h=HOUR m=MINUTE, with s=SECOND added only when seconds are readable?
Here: h=8 m=41
